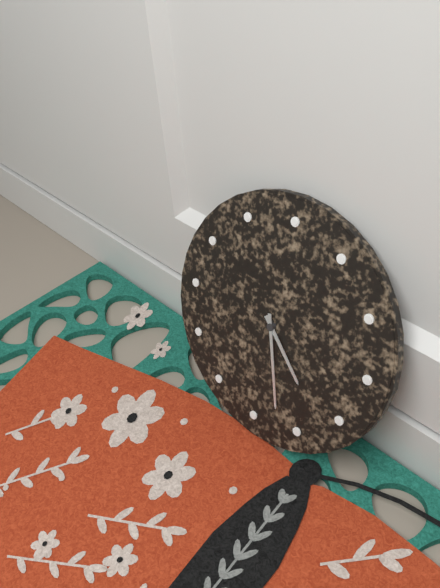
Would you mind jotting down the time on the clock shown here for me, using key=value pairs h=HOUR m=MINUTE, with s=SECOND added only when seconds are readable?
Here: h=4 m=27
